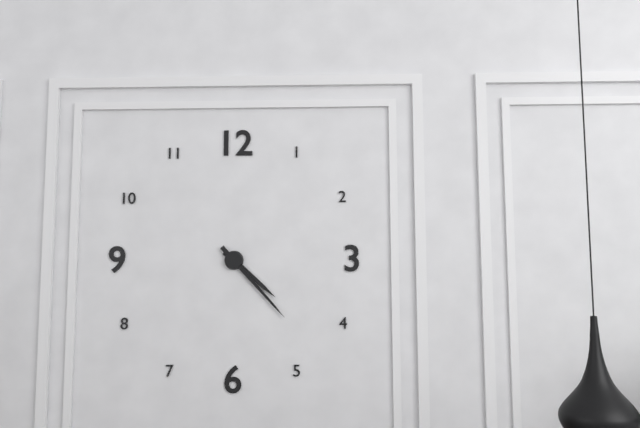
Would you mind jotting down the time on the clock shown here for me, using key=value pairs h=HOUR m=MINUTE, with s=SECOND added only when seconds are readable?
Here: h=4 m=23
